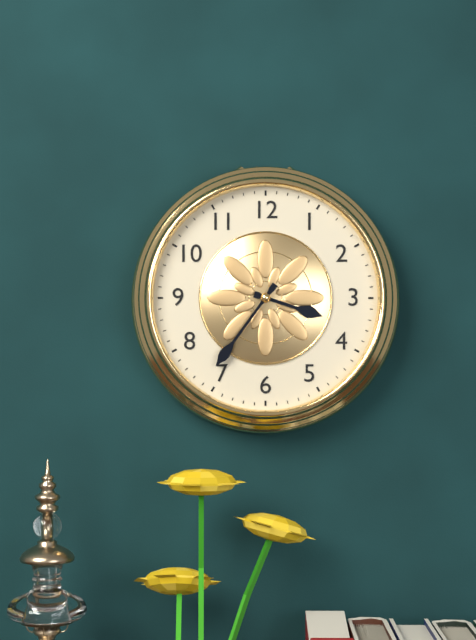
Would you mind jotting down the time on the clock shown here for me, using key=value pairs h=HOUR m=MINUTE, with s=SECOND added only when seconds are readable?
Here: h=3 m=36
